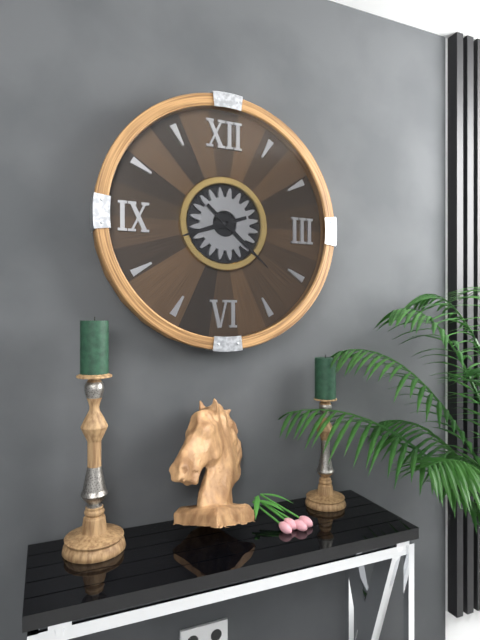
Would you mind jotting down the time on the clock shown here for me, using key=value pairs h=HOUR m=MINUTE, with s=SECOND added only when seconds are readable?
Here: h=8 m=22
